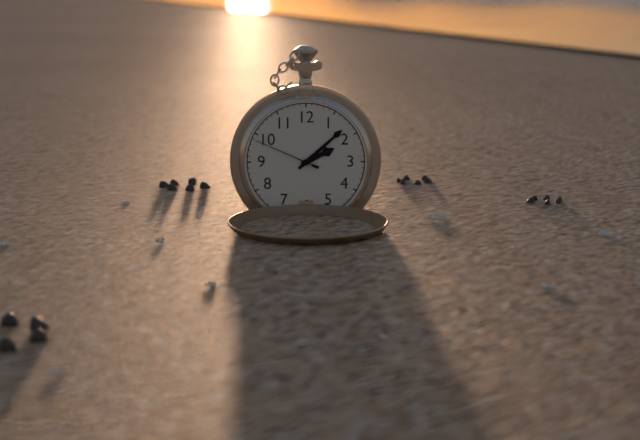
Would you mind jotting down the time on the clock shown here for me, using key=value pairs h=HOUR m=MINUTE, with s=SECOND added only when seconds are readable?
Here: h=2 m=8 s=49
